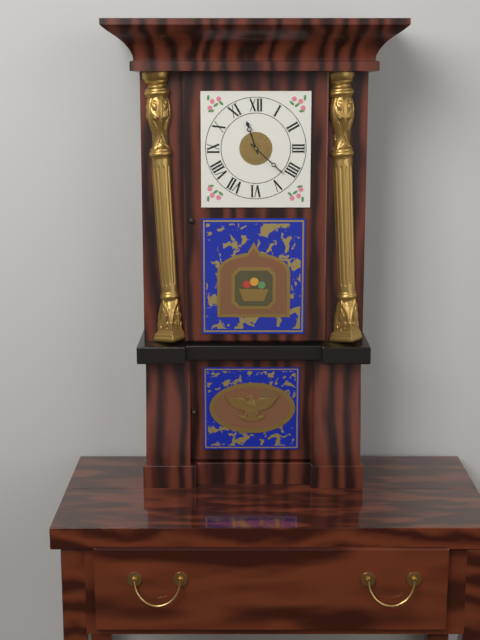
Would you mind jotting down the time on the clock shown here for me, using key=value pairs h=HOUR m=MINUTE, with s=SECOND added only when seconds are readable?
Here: h=11 m=22
